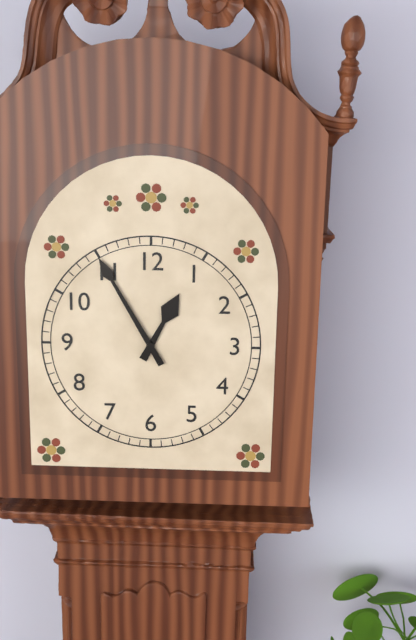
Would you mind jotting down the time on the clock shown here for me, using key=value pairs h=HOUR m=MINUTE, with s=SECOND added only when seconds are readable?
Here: h=12 m=55
